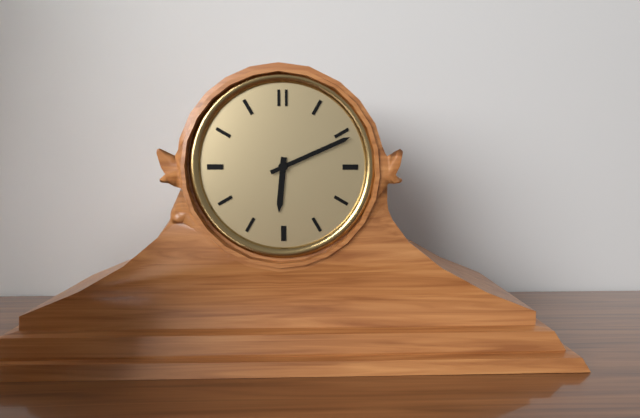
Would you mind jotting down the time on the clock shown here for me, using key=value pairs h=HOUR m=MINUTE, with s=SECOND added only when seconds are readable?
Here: h=6 m=11
